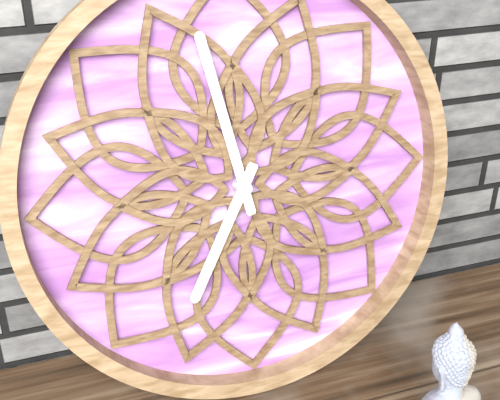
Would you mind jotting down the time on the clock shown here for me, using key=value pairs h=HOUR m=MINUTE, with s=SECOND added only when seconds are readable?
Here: h=6 m=58
